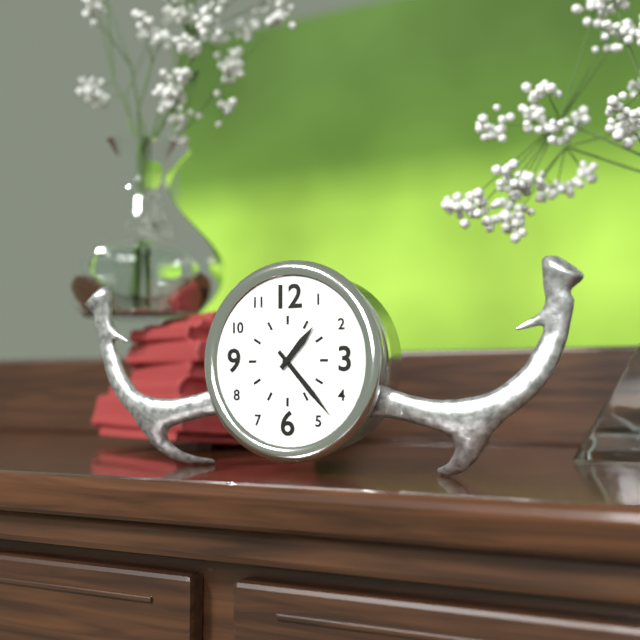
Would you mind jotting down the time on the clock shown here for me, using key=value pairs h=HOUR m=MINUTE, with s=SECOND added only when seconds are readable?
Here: h=1 m=23
